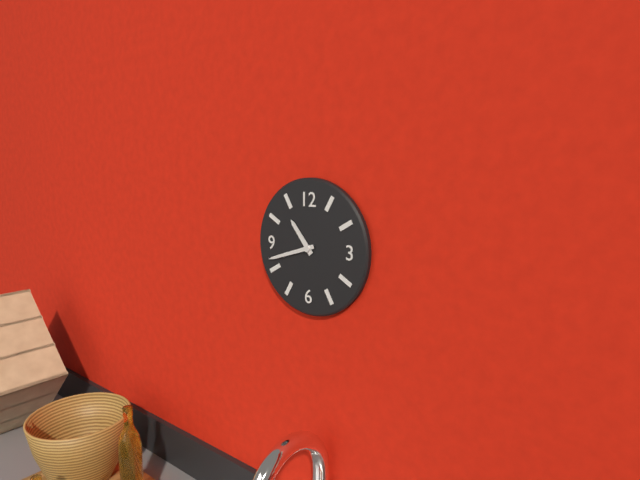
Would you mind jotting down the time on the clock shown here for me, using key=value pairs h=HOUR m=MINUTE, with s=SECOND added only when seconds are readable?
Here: h=10 m=42
